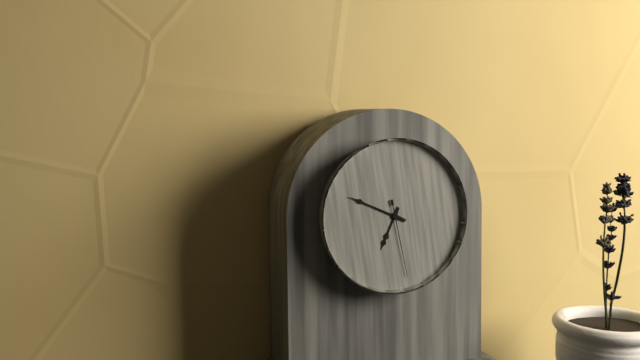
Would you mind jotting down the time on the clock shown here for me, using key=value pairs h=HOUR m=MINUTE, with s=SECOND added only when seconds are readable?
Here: h=6 m=49 s=28
